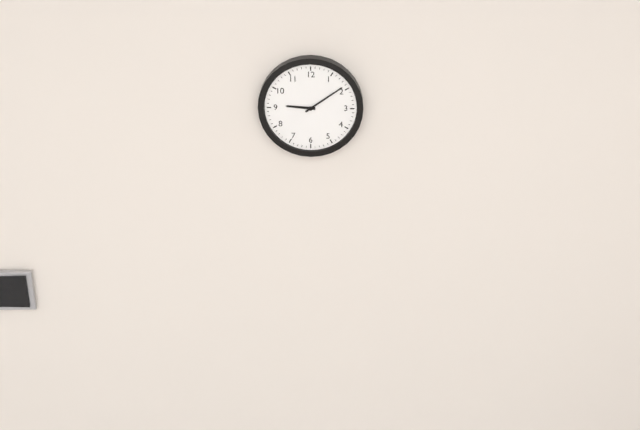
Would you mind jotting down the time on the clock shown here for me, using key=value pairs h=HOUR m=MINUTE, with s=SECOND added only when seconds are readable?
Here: h=9 m=9
